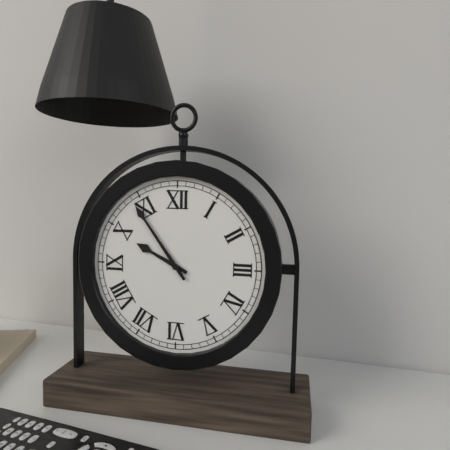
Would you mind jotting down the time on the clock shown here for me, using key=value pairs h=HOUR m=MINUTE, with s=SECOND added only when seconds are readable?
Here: h=9 m=54
